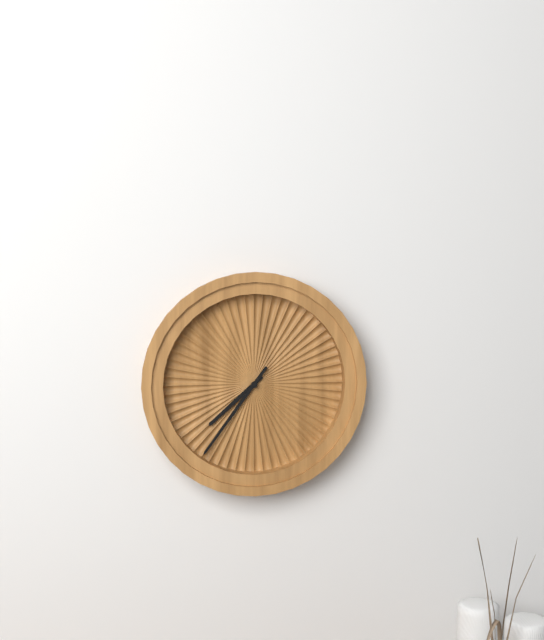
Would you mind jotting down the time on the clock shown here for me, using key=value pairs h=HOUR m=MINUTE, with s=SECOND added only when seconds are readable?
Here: h=7 m=36
